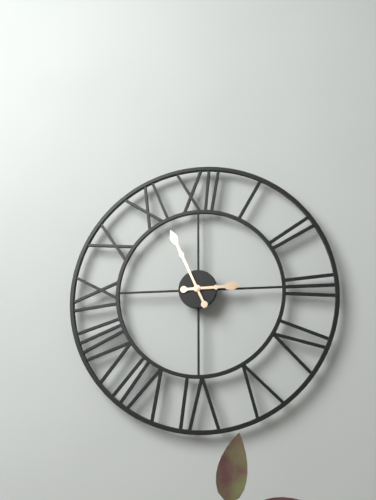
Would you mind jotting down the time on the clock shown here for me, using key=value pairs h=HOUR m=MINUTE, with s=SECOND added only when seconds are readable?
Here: h=2 m=56
